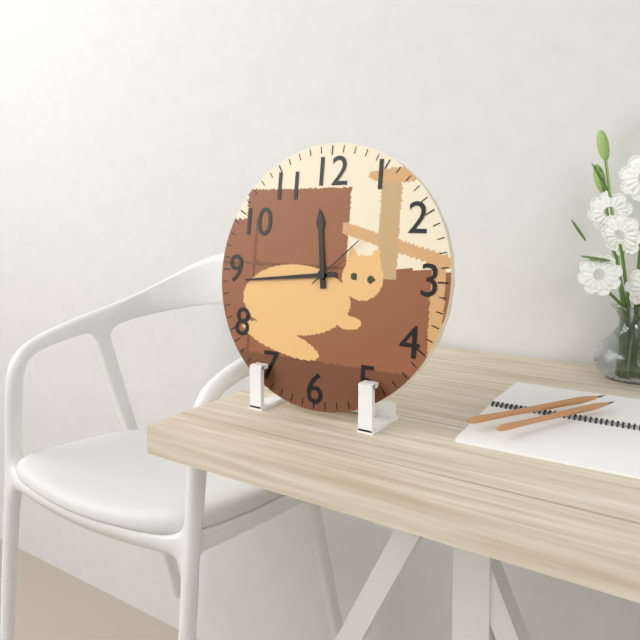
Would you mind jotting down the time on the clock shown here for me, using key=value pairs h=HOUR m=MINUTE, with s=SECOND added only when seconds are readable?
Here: h=11 m=44 s=8
